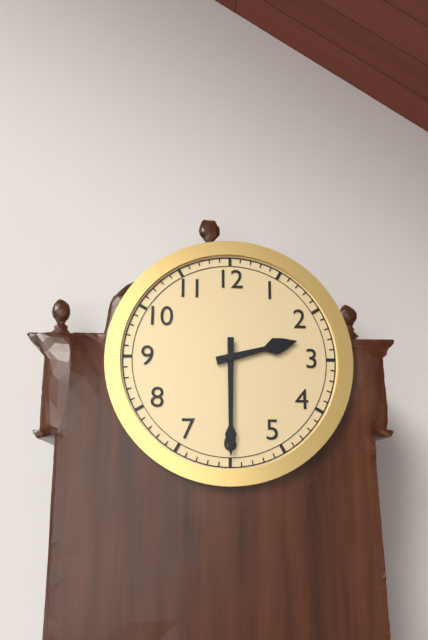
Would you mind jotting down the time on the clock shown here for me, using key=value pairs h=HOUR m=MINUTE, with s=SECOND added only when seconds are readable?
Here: h=2 m=30
